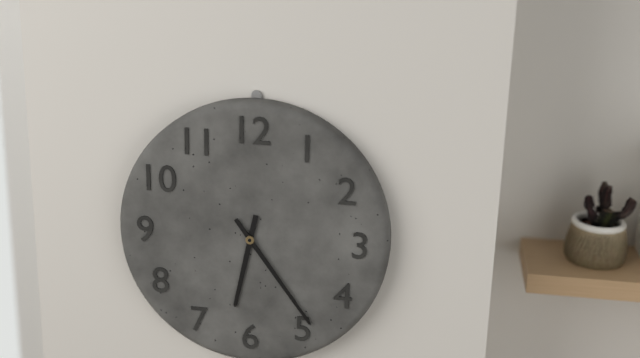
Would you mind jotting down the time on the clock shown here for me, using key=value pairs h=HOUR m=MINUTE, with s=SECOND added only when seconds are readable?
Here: h=6 m=24
